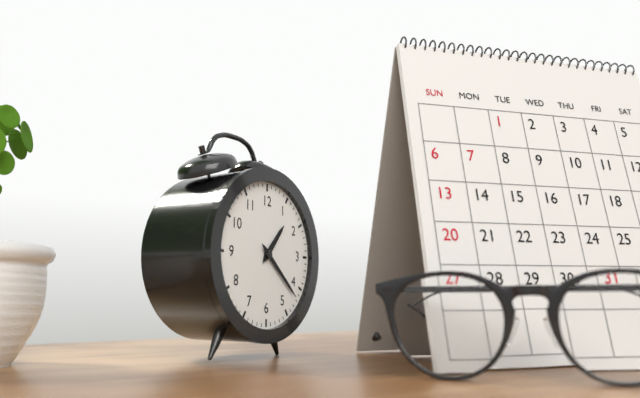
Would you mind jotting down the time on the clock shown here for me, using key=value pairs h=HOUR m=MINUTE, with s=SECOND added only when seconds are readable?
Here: h=1 m=22
